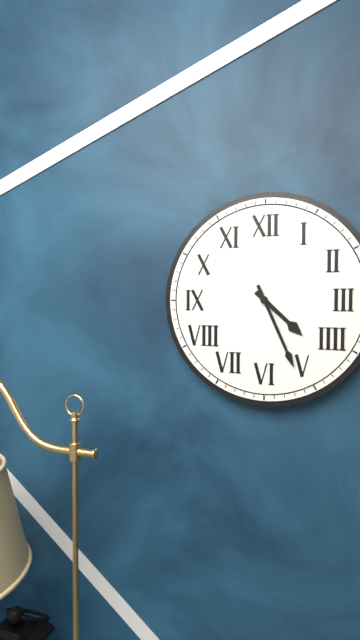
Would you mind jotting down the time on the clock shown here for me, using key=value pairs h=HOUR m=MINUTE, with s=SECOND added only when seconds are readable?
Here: h=4 m=26
